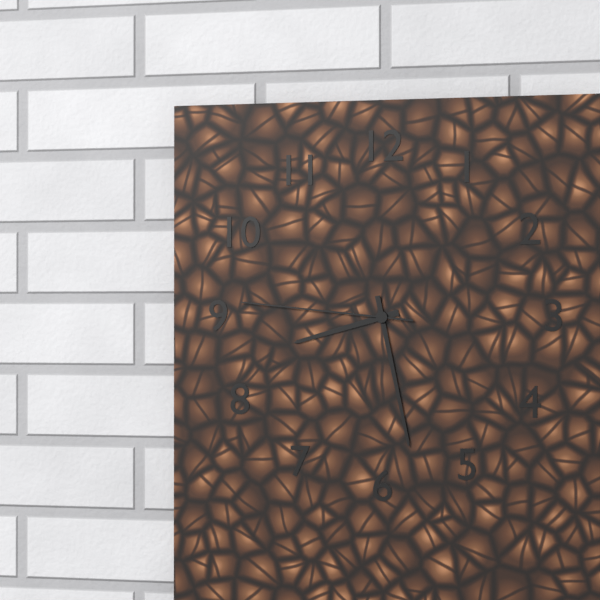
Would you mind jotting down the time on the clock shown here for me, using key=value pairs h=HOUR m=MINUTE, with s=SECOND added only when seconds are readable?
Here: h=8 m=28 s=46
